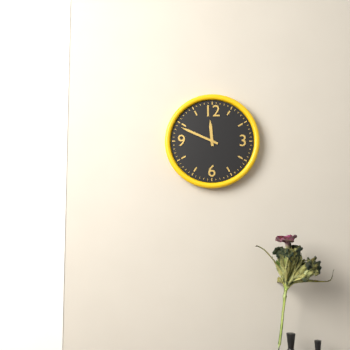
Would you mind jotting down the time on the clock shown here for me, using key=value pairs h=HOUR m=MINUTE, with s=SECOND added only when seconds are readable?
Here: h=11 m=49
